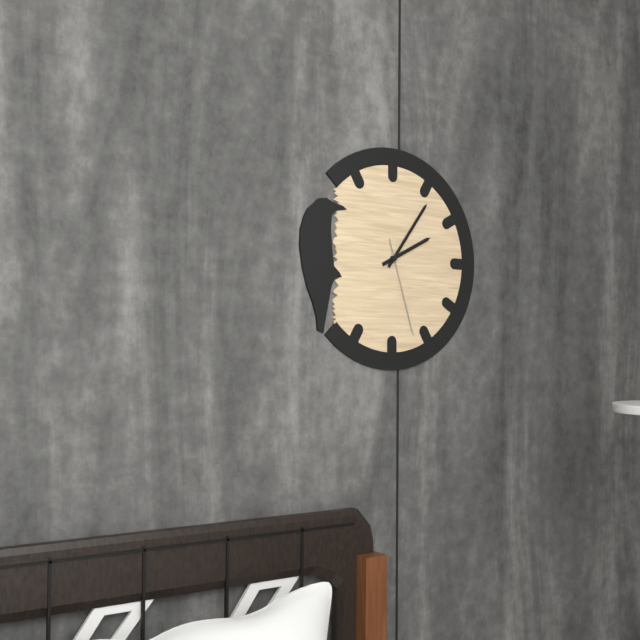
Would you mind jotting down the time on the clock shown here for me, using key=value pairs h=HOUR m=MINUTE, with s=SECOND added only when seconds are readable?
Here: h=2 m=6 s=27
